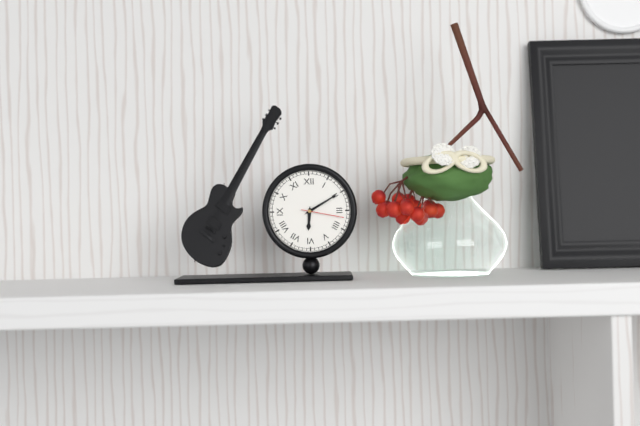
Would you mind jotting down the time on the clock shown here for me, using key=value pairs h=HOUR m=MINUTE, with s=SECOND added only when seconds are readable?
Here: h=6 m=10
